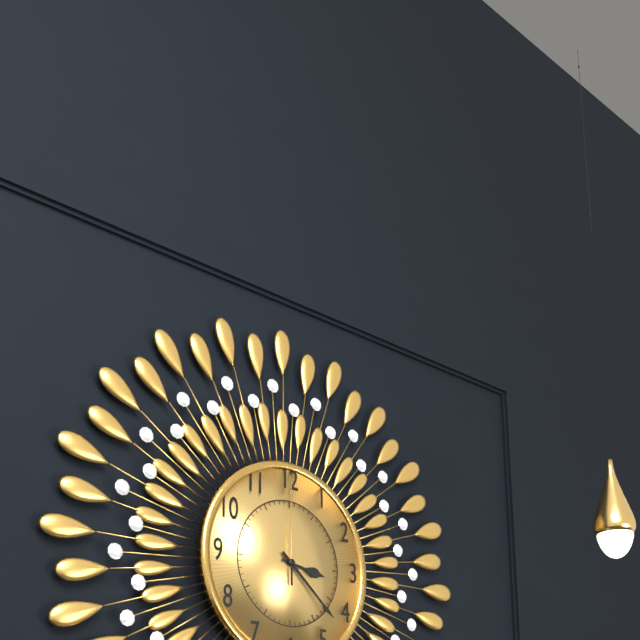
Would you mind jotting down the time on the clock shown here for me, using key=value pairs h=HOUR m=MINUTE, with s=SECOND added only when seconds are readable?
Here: h=3 m=22 s=0
